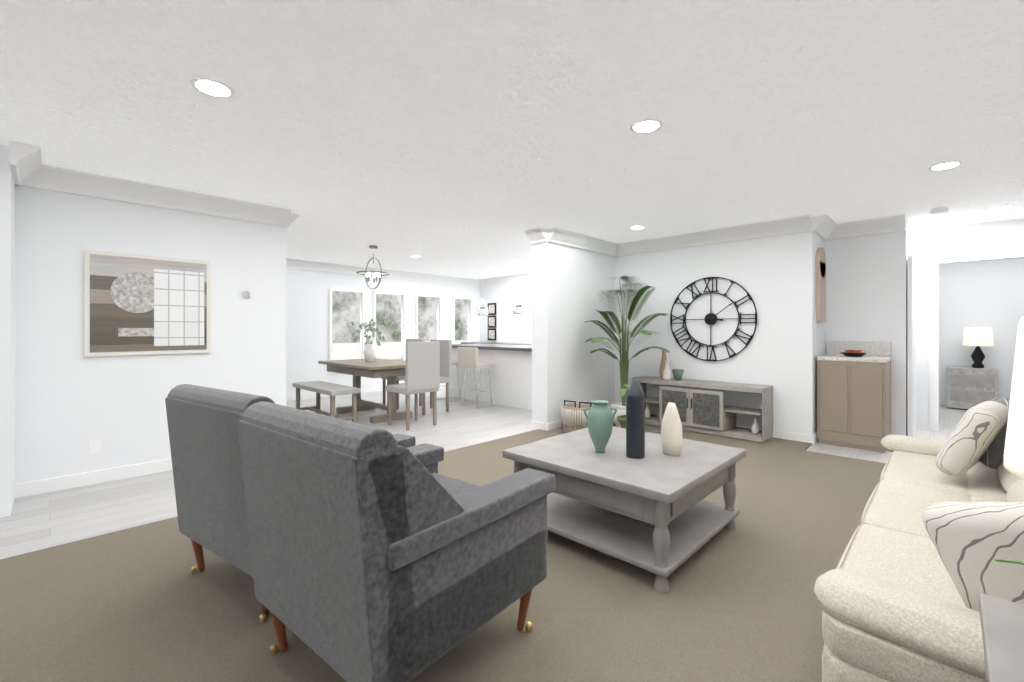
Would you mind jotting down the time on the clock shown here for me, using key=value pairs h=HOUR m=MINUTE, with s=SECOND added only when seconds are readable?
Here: h=3 m=9
